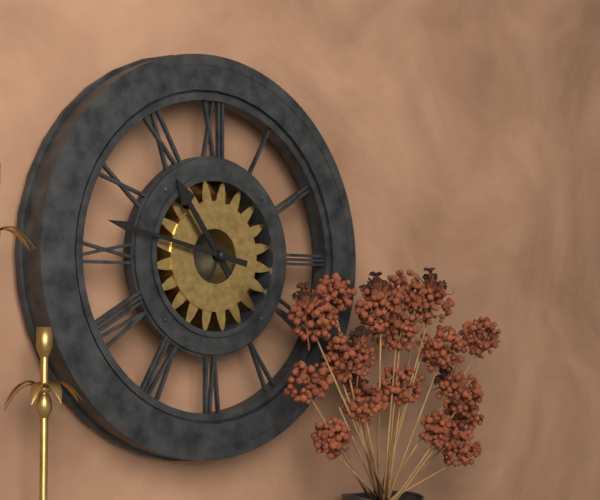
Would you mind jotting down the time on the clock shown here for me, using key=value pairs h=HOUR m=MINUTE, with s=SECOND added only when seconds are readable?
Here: h=10 m=47
